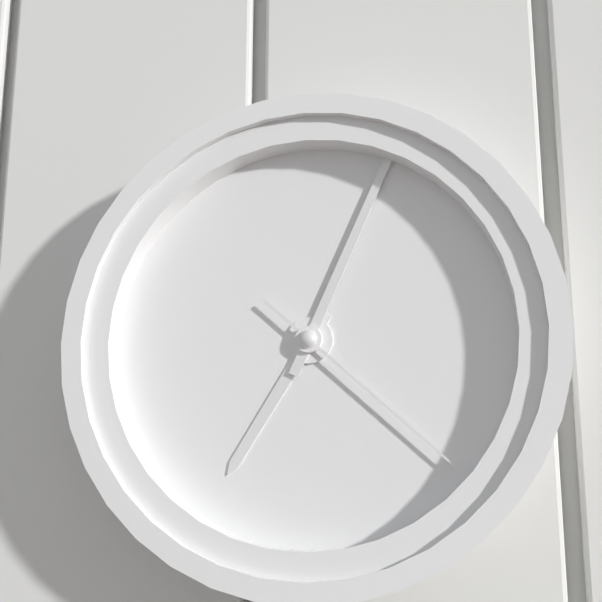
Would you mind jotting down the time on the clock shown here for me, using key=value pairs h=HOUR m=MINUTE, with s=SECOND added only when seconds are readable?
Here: h=7 m=4 s=22
